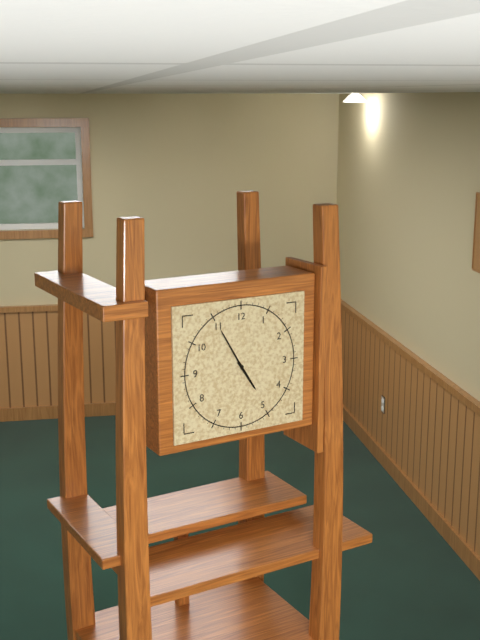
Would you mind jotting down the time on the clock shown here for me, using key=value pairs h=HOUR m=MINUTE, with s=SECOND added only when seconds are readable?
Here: h=4 m=55
